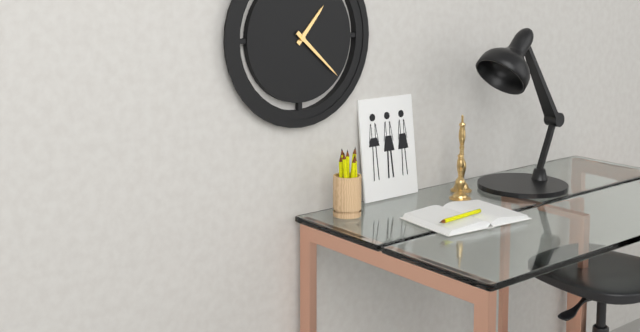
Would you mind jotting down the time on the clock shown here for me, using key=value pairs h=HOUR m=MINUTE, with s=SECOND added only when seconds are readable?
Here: h=1 m=22
